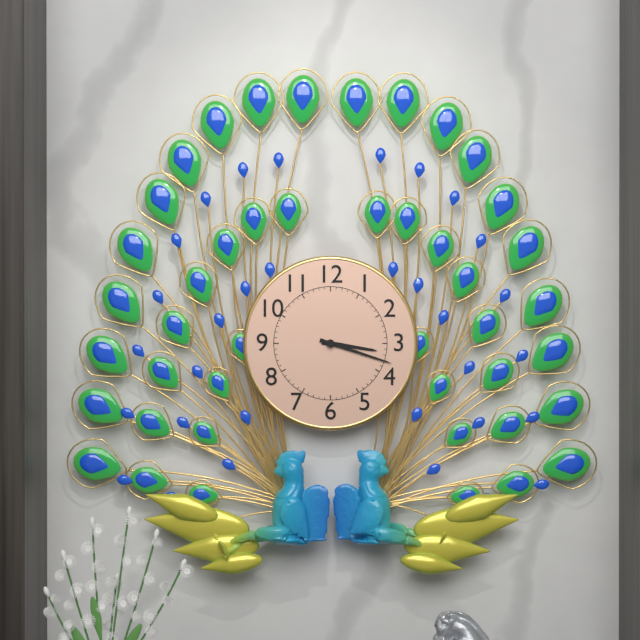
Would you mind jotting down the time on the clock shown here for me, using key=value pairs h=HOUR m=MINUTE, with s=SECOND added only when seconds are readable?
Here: h=3 m=18
